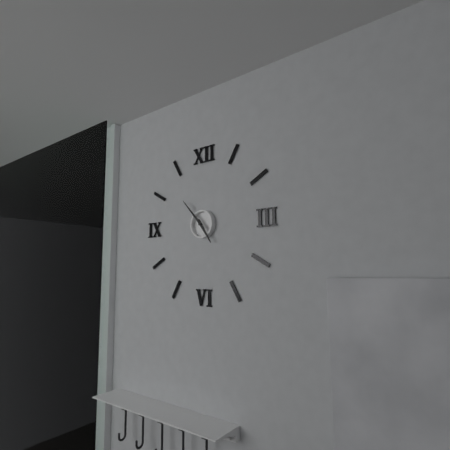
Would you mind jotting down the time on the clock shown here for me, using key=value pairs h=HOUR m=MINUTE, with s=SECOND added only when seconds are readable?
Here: h=4 m=53
